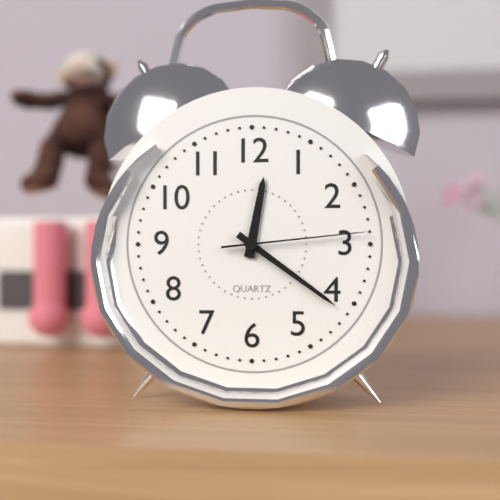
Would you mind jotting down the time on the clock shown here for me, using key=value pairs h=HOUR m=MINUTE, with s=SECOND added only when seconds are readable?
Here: h=12 m=21 s=14
